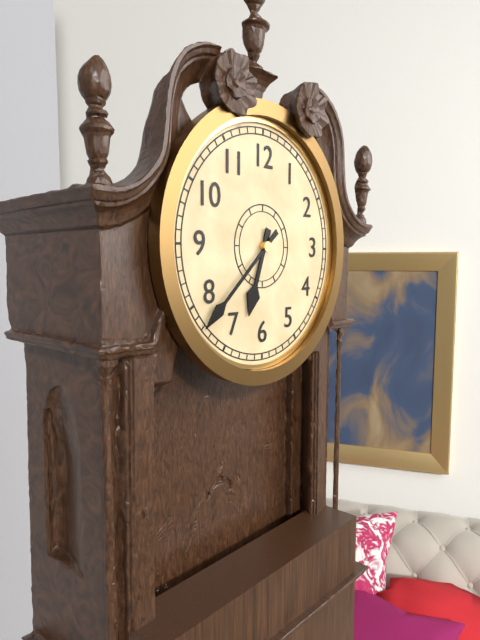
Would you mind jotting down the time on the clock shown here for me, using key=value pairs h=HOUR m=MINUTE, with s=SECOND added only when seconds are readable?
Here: h=6 m=38
